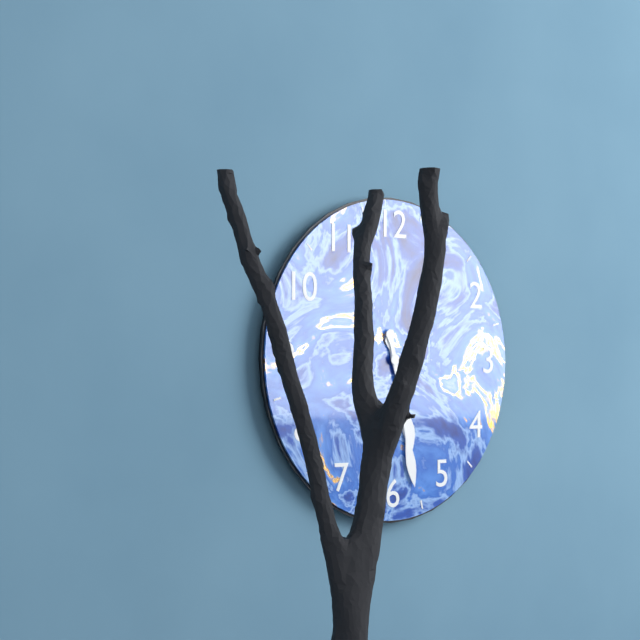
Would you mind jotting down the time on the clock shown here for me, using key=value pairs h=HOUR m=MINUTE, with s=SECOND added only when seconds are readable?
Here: h=5 m=28
